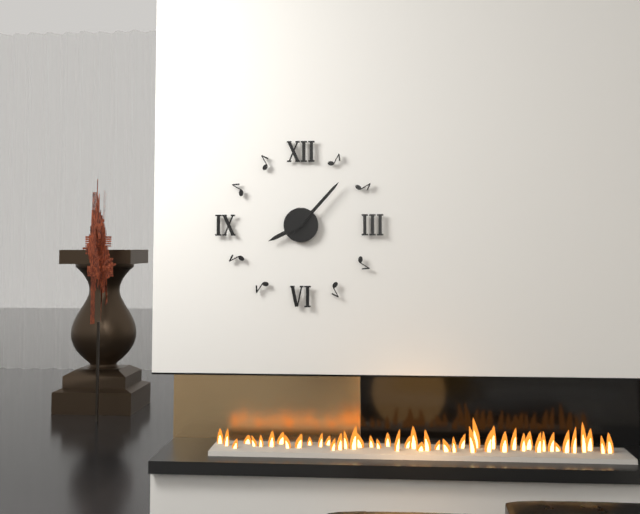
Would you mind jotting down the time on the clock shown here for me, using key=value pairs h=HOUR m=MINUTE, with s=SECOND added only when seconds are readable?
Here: h=8 m=7 s=7
